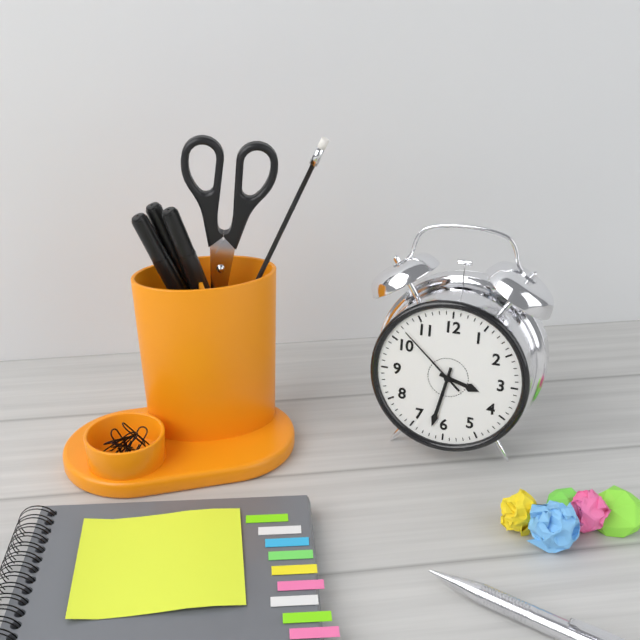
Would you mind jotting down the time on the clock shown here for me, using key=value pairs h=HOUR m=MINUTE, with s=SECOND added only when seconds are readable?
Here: h=3 m=32 s=52
